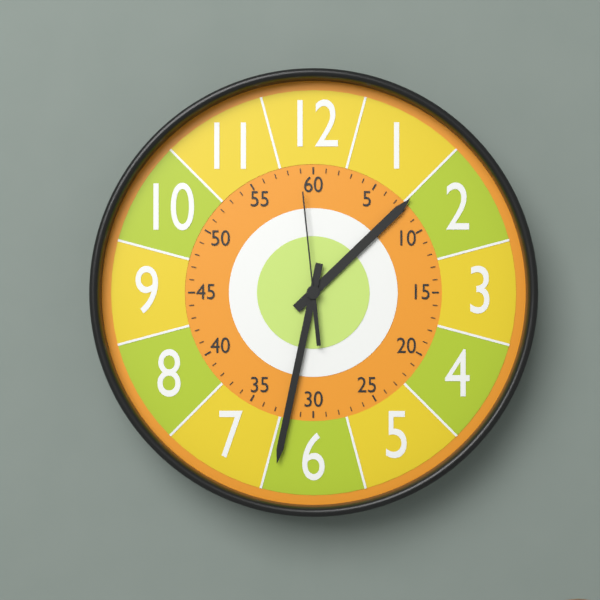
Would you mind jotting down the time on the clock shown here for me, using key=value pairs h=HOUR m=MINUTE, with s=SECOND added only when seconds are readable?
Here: h=1 m=32 s=59
